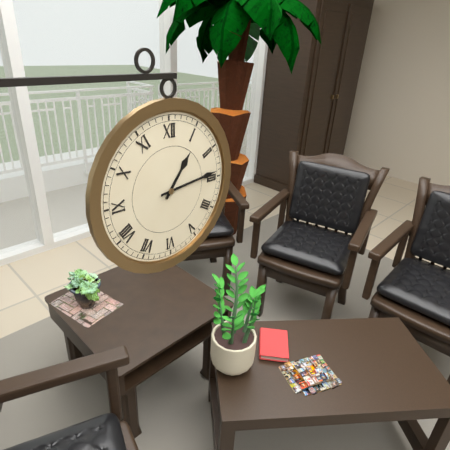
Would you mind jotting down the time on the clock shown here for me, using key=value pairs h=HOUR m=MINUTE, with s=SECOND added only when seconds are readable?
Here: h=1 m=14
